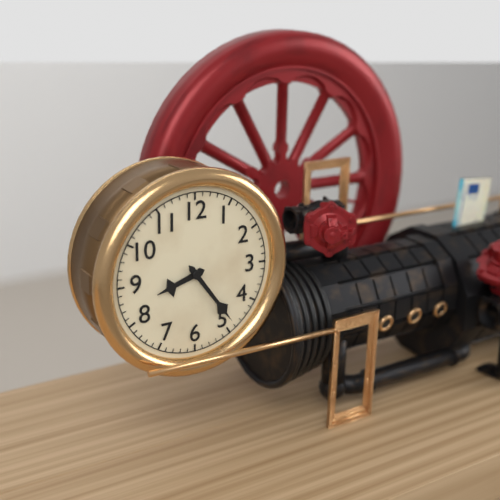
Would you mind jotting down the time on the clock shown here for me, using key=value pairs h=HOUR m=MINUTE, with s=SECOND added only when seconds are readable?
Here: h=8 m=24
